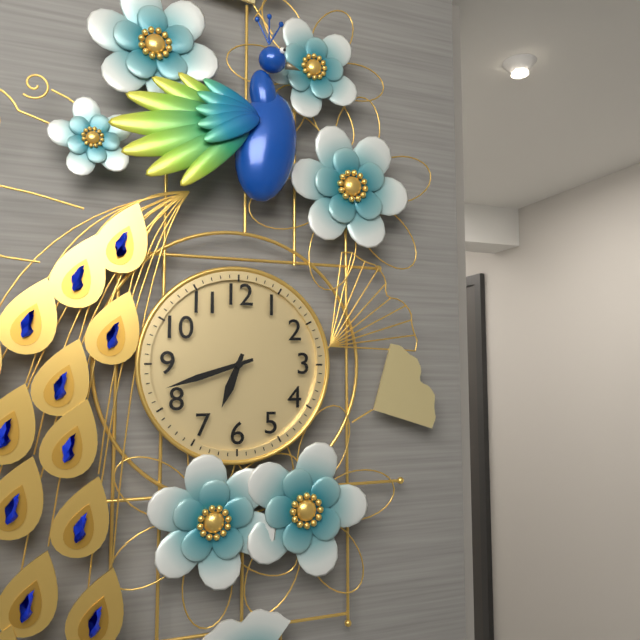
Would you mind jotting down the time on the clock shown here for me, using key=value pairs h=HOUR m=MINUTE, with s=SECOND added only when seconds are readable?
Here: h=6 m=42
